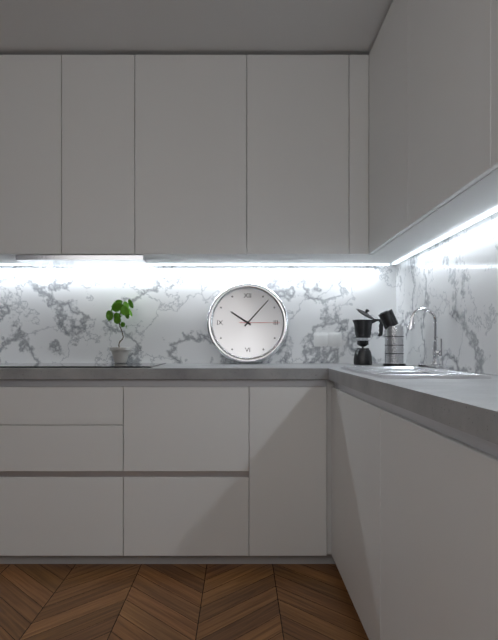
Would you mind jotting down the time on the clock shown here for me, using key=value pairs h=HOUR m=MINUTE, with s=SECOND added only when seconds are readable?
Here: h=10 m=7
